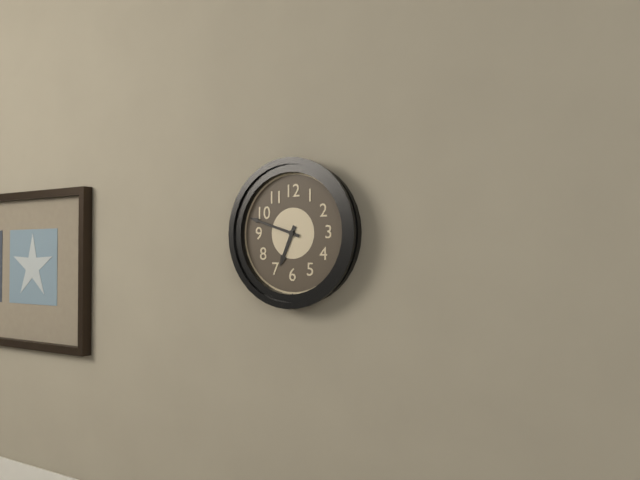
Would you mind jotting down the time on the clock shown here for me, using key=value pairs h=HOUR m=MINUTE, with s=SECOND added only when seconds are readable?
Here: h=6 m=48
